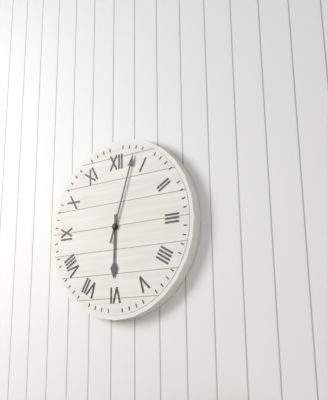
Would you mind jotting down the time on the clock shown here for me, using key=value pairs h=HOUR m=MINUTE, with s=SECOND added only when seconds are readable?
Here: h=6 m=3
